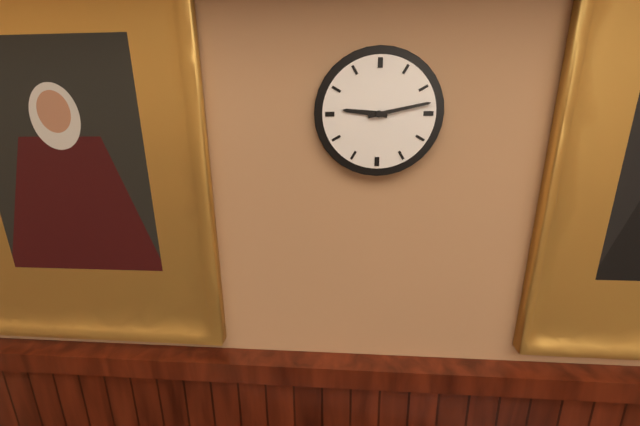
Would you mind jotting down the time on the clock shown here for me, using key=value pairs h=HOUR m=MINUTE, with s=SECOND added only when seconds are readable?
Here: h=9 m=13
